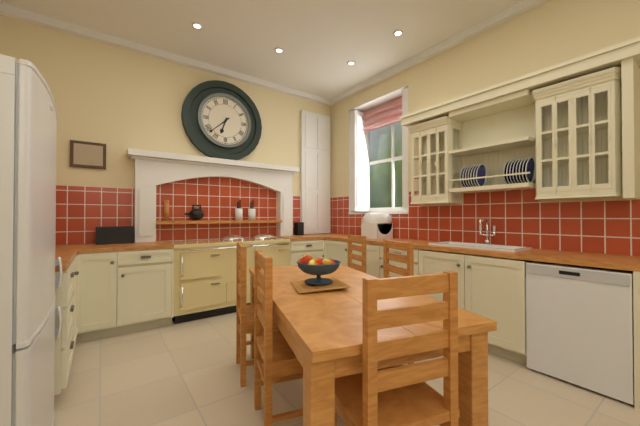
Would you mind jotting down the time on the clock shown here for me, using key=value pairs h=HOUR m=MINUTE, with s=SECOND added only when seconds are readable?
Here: h=6 m=38
